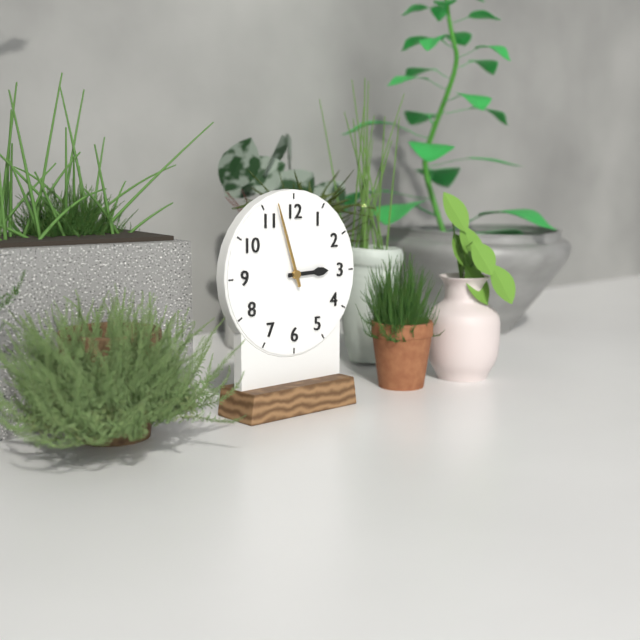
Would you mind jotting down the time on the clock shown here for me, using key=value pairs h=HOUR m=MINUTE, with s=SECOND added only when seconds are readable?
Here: h=2 m=57
